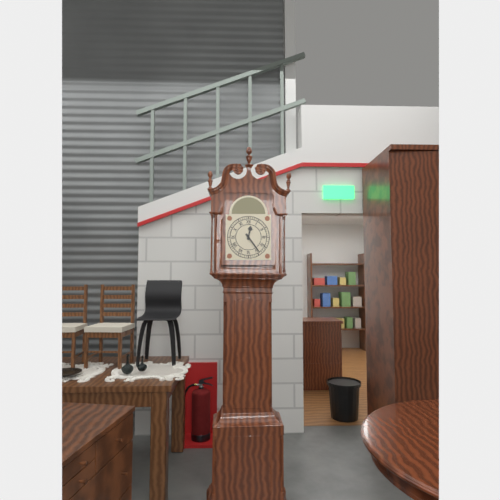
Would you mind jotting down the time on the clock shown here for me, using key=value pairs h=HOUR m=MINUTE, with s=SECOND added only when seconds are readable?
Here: h=12 m=24
